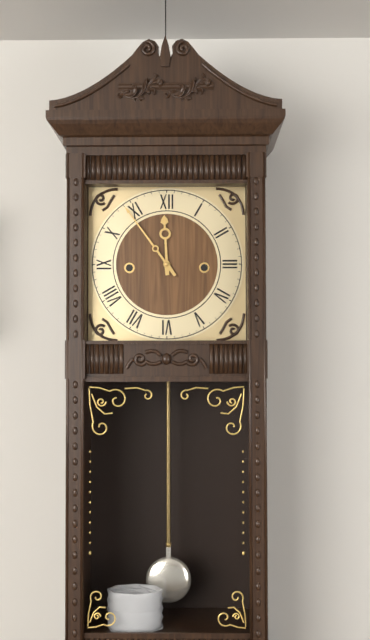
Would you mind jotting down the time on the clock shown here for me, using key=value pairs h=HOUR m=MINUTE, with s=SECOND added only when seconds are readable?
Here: h=11 m=54
